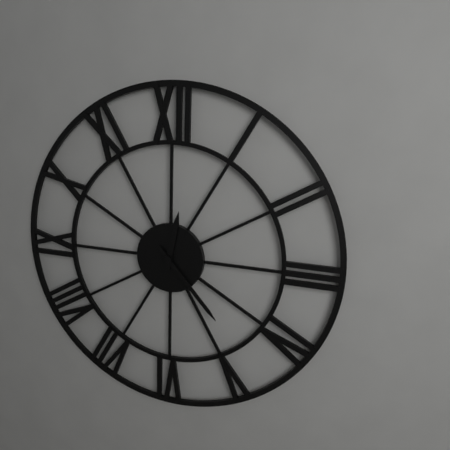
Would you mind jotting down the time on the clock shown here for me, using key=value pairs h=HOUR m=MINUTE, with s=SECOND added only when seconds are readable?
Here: h=12 m=23
